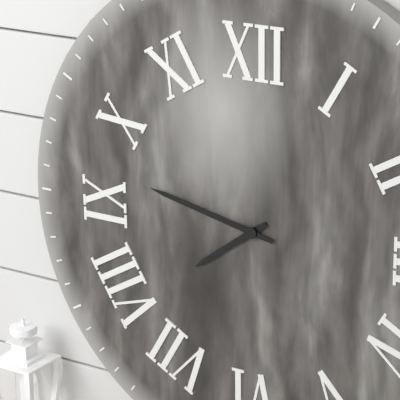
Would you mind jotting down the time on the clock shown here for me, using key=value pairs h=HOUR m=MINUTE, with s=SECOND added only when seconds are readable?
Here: h=7 m=47
